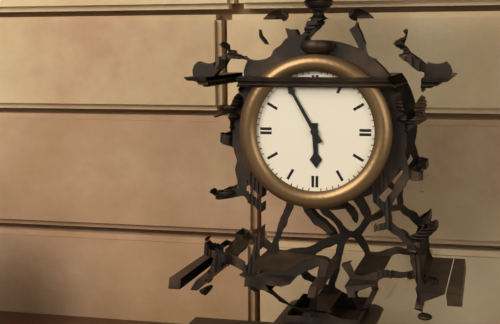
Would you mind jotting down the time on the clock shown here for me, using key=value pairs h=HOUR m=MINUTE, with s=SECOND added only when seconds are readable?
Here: h=5 m=55
